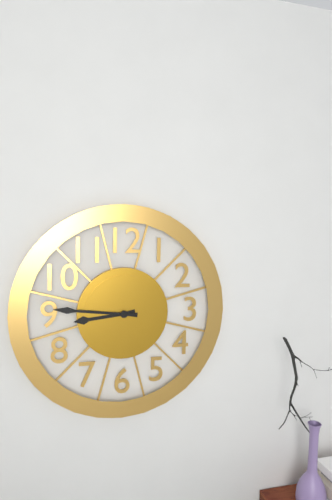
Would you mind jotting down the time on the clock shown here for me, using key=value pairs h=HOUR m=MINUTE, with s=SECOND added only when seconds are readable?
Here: h=8 m=46
